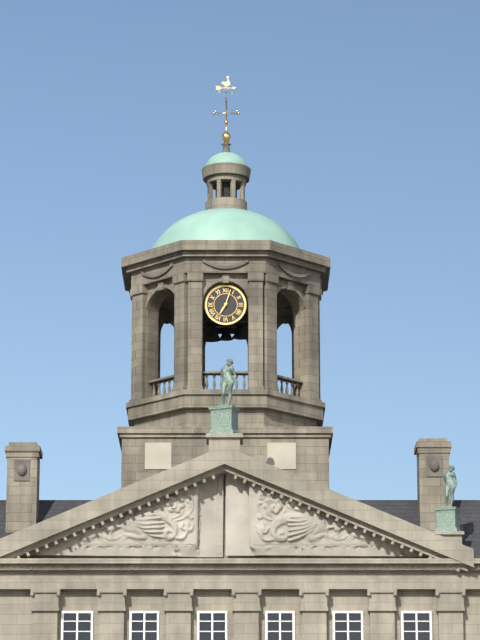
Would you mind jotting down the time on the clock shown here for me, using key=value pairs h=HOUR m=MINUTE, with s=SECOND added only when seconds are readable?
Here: h=7 m=3
